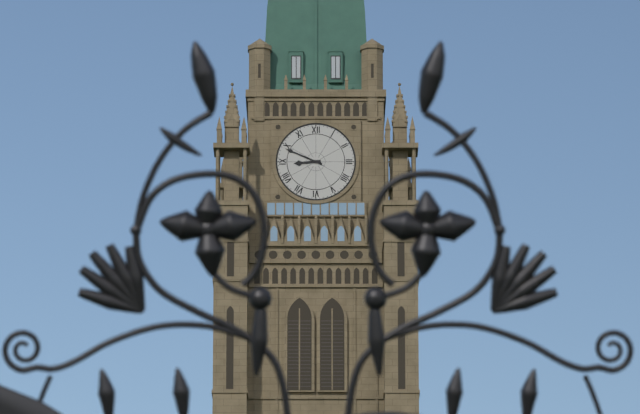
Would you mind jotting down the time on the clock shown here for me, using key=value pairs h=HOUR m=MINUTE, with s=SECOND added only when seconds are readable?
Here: h=8 m=49
